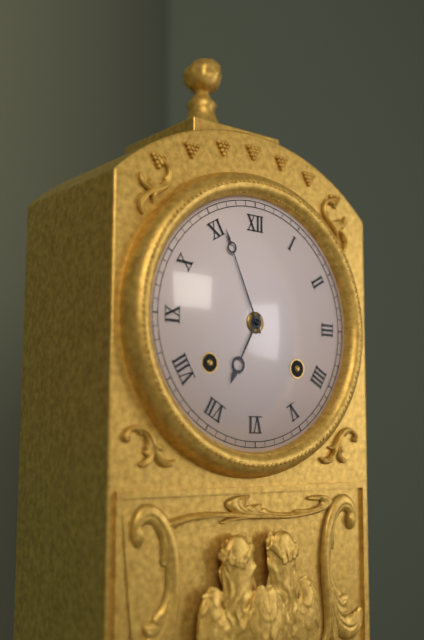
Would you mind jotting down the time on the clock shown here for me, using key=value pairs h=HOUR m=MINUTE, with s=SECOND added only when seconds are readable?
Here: h=6 m=56
